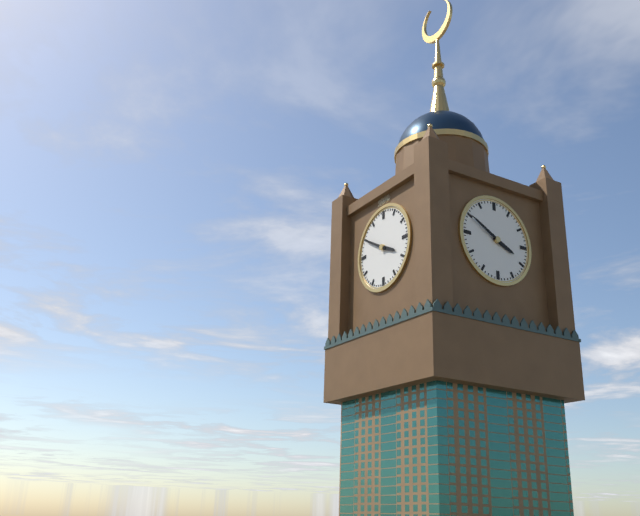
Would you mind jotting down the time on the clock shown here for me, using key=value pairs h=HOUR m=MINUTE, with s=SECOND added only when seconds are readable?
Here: h=3 m=50
